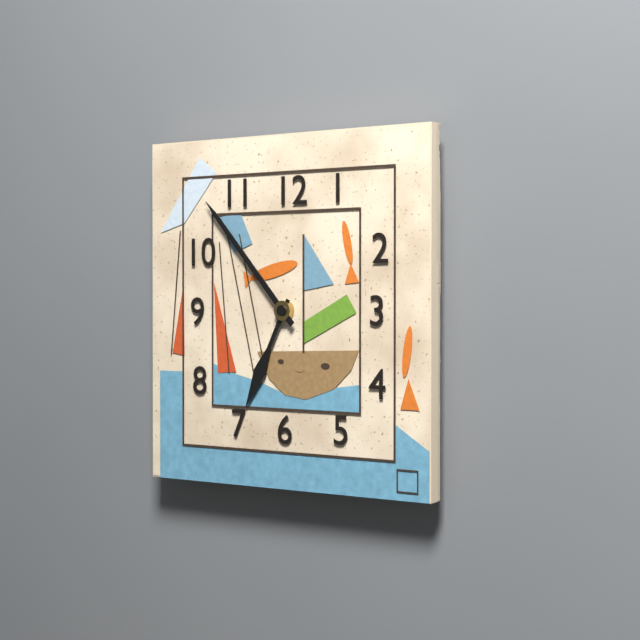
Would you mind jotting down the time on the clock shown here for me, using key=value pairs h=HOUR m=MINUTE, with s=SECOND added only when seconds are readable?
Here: h=6 m=53
